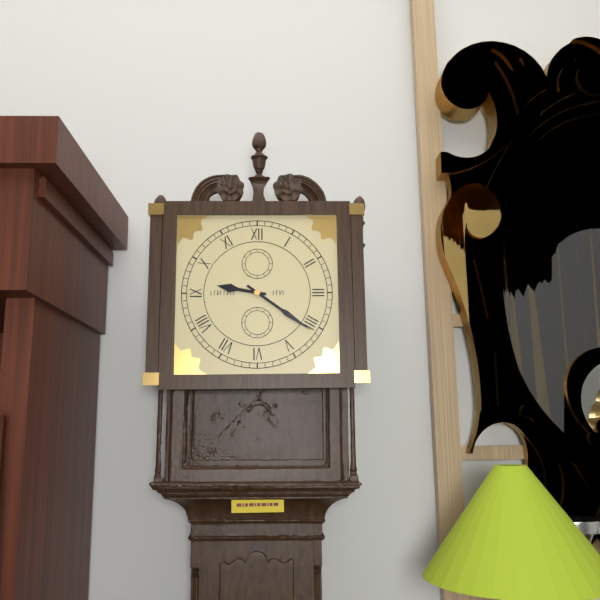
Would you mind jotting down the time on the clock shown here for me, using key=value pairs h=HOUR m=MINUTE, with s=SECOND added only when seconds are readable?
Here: h=9 m=21
